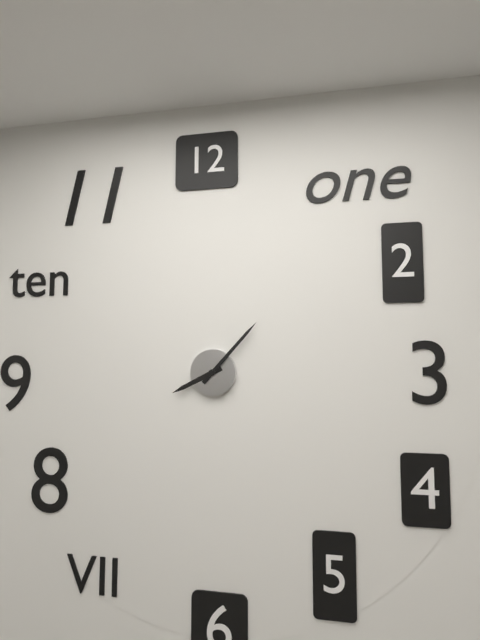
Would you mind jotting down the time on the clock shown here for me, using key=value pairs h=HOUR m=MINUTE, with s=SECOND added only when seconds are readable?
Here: h=8 m=7
